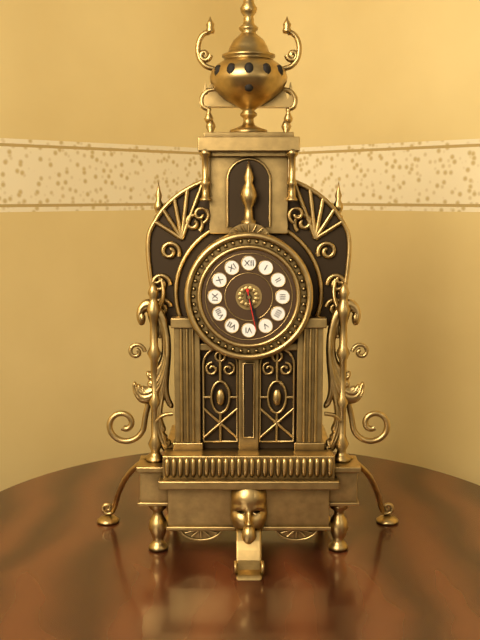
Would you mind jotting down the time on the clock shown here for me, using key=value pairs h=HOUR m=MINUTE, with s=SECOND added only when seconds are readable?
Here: h=5 m=27
